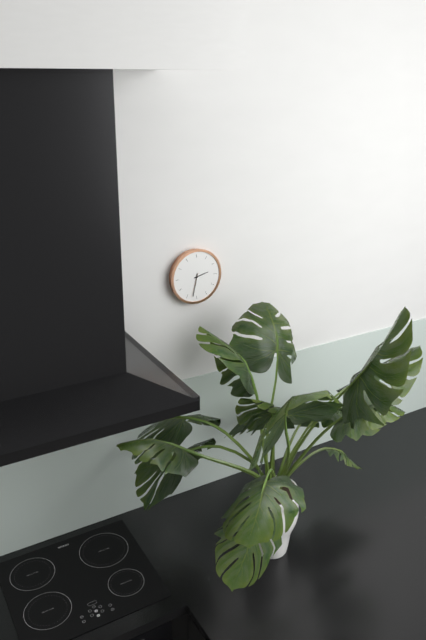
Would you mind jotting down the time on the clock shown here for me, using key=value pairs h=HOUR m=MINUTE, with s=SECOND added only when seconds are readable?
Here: h=2 m=32
